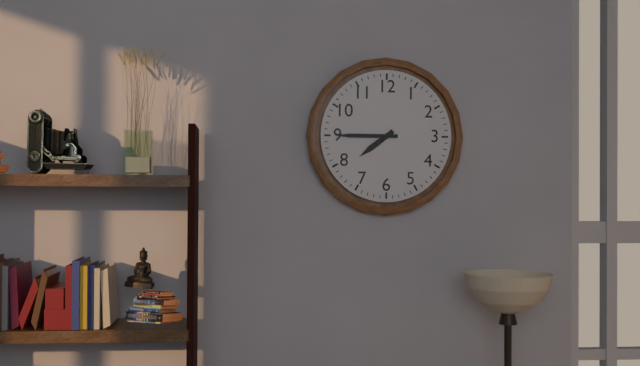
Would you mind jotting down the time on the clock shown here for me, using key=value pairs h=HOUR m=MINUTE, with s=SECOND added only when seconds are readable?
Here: h=7 m=45
